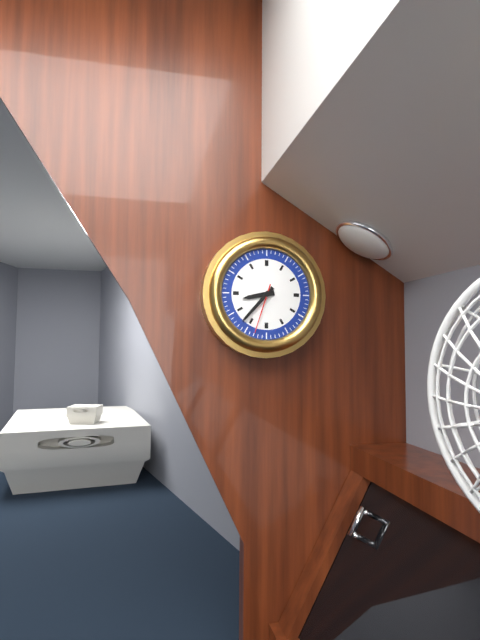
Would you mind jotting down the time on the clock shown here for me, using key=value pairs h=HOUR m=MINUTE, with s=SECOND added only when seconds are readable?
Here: h=8 m=37 s=33
